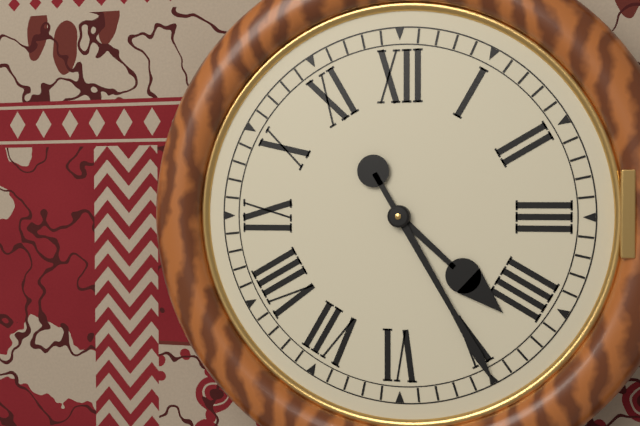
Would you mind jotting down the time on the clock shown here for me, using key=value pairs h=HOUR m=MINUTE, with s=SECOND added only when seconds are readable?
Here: h=4 m=25
